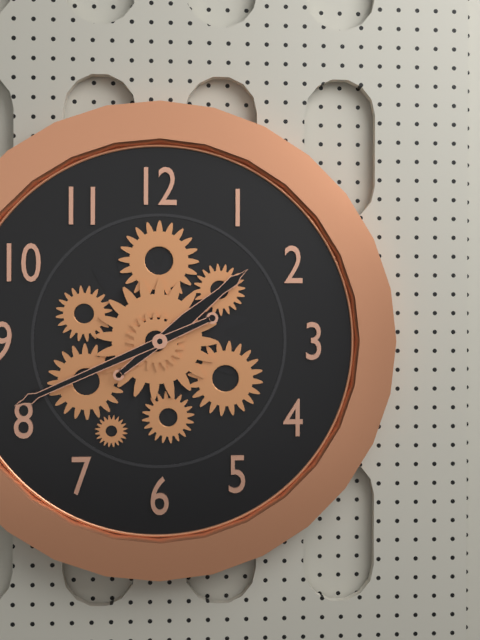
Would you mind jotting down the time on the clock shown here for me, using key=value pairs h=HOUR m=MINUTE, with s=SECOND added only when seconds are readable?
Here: h=1 m=41
